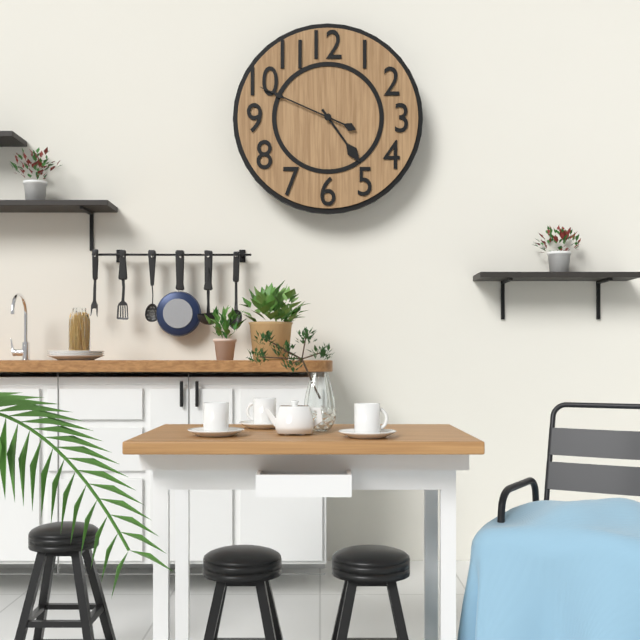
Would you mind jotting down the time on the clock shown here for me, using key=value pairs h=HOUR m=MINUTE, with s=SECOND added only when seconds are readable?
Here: h=4 m=49
